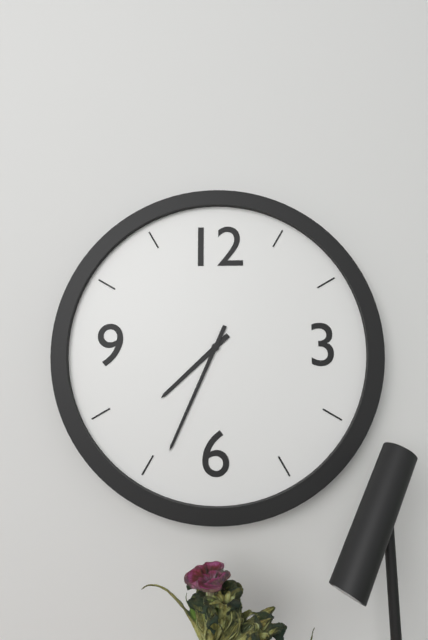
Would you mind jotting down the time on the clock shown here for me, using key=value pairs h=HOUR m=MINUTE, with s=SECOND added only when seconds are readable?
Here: h=7 m=34
